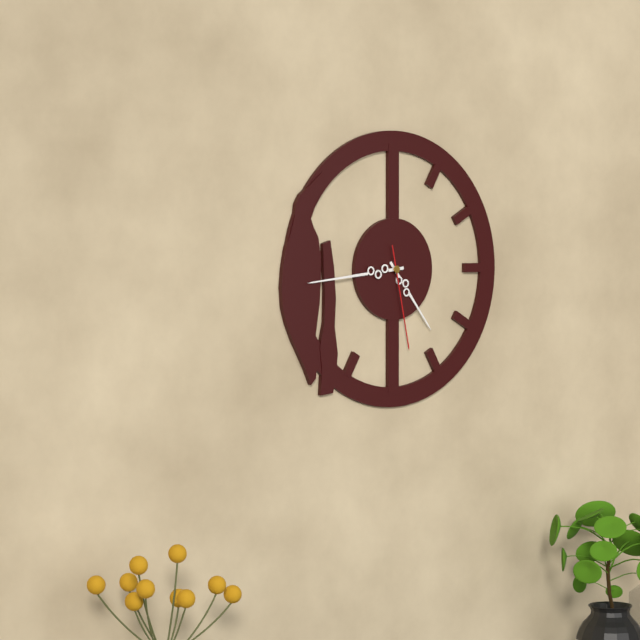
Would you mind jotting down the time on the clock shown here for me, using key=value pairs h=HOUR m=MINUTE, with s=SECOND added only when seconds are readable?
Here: h=4 m=44 s=28
